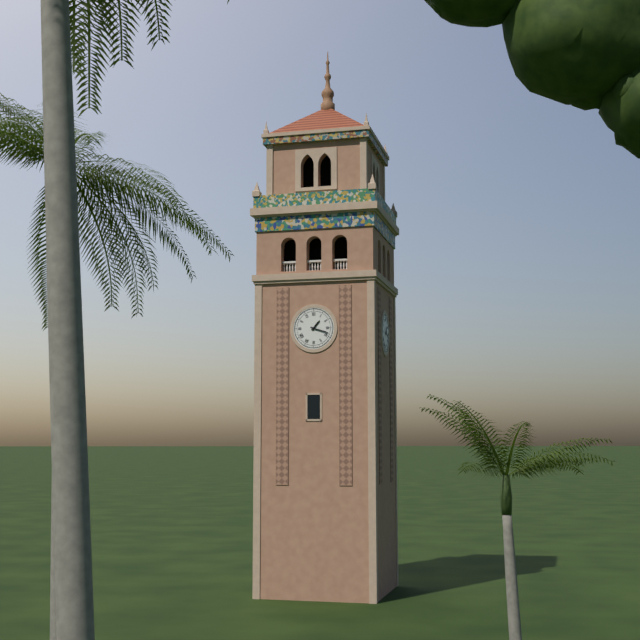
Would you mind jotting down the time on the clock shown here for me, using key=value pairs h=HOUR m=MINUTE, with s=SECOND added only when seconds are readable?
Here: h=1 m=18
